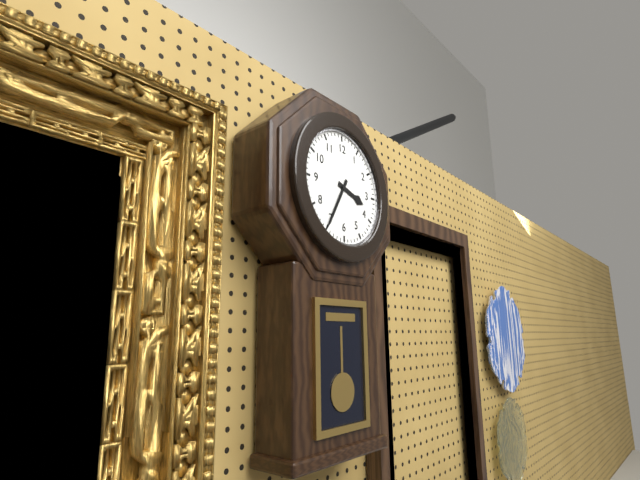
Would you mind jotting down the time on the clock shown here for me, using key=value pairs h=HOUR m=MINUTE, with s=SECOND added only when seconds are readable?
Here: h=3 m=35
